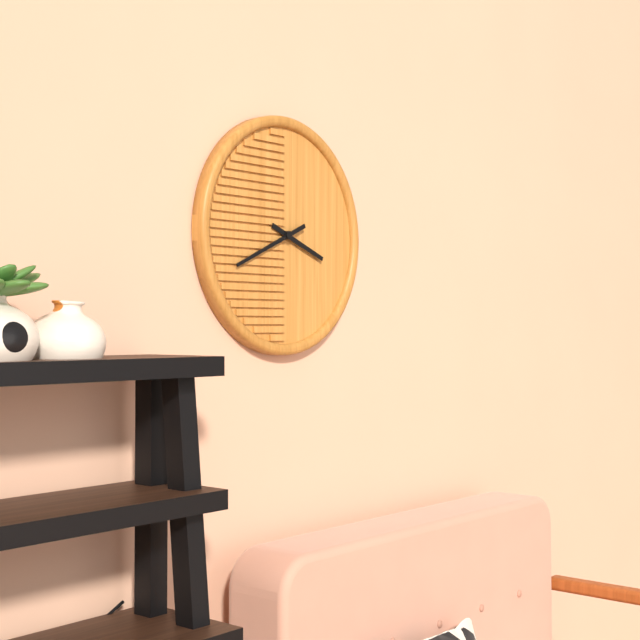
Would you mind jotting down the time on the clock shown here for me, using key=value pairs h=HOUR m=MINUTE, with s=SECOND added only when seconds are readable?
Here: h=3 m=41
